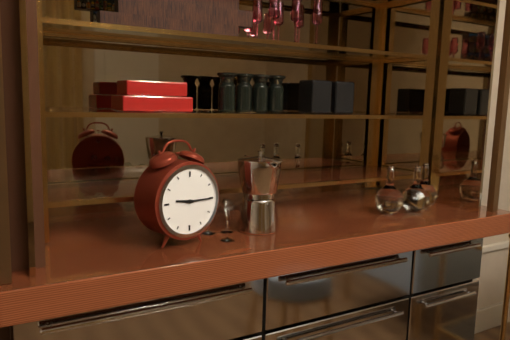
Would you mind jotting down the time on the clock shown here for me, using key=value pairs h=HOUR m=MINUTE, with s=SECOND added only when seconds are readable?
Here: h=9 m=15
